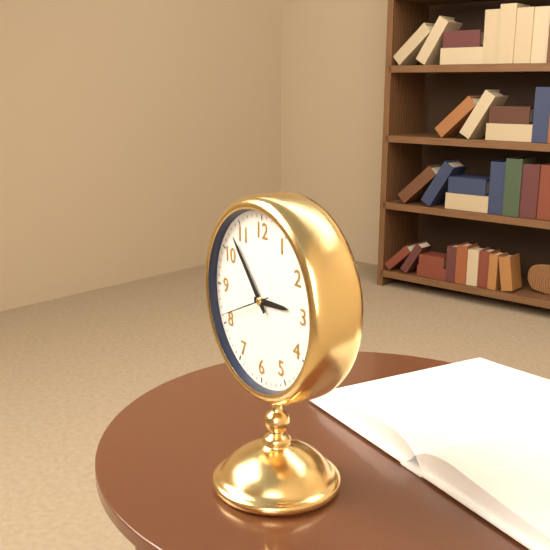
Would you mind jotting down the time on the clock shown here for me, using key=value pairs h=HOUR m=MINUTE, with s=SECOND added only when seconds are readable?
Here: h=2 m=53 s=41
